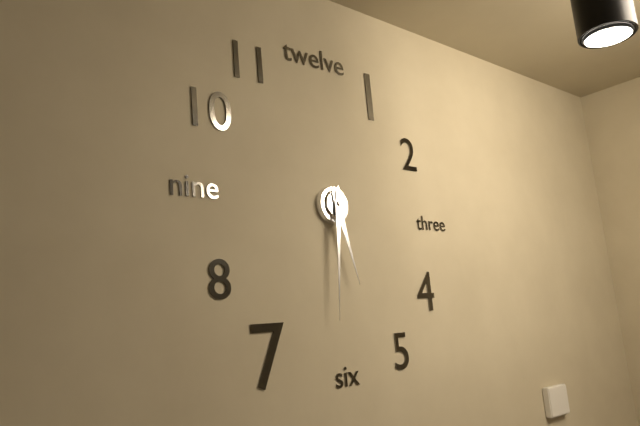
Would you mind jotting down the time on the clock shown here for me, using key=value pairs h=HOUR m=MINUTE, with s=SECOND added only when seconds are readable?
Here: h=5 m=31
